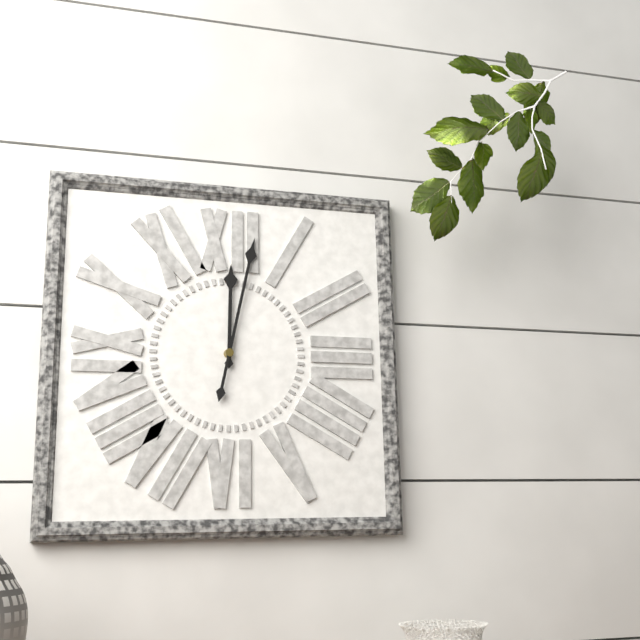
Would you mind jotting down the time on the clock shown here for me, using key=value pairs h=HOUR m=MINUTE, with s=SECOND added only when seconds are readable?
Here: h=12 m=2
